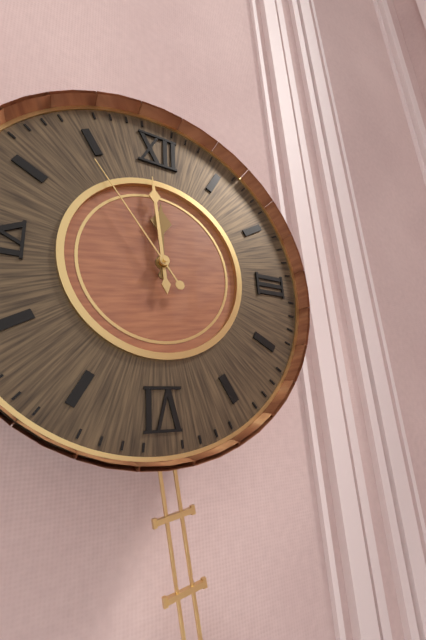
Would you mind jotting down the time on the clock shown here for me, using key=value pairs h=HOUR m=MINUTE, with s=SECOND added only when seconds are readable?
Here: h=11 m=59 s=54
